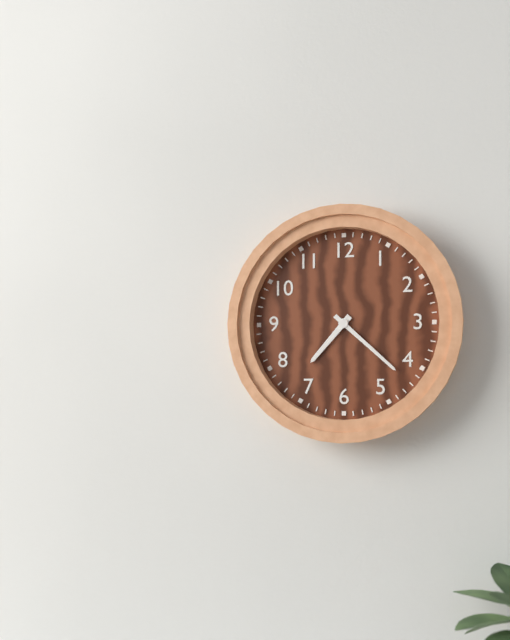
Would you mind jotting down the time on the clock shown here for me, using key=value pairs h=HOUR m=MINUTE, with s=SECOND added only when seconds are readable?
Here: h=7 m=22
